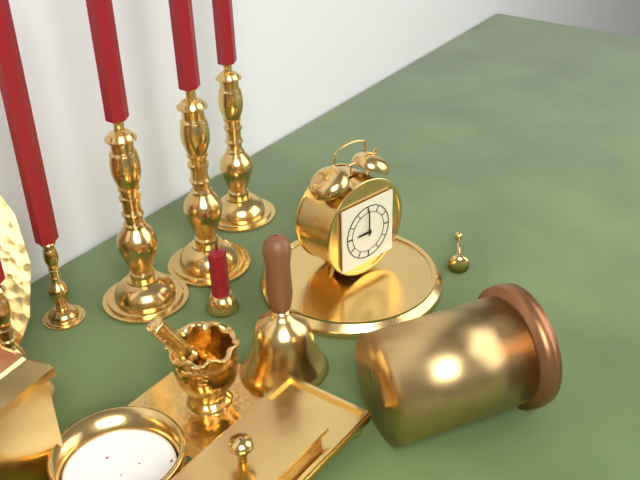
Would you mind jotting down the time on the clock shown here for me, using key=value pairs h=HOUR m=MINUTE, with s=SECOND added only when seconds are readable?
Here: h=9 m=0
